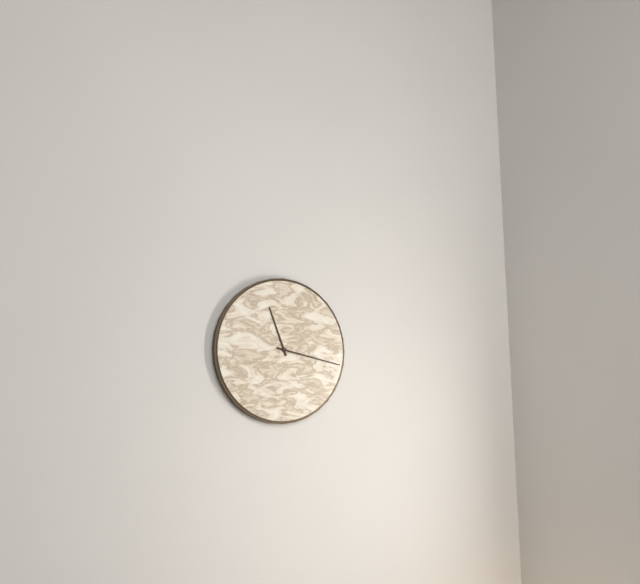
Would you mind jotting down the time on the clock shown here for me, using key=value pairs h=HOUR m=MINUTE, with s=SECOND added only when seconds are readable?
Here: h=11 m=17
